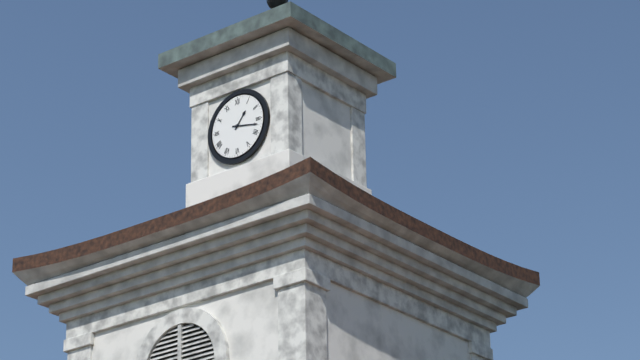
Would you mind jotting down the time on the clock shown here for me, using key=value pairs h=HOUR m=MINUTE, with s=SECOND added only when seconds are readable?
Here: h=1 m=17
